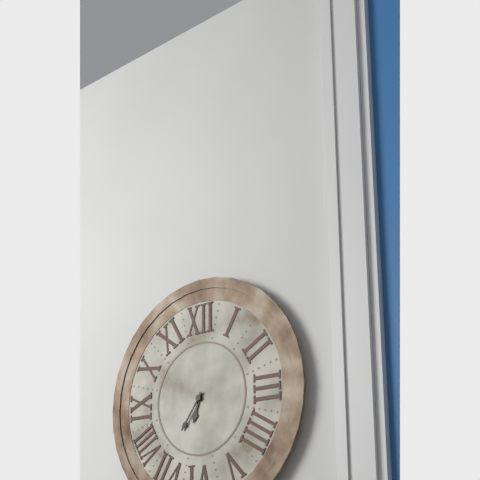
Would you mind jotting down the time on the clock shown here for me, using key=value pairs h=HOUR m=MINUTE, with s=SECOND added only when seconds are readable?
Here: h=6 m=36
